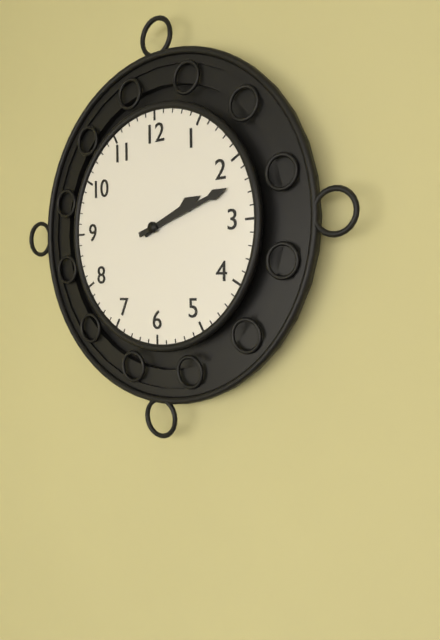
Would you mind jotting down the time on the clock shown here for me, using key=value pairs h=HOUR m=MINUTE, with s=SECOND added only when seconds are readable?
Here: h=2 m=12
